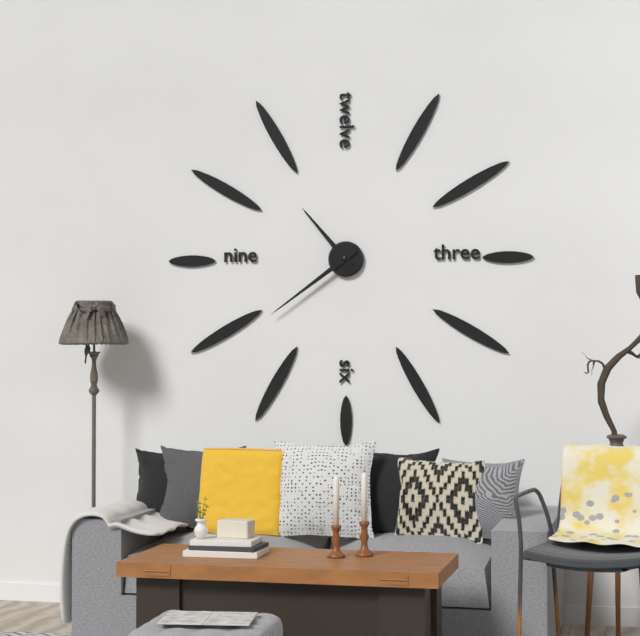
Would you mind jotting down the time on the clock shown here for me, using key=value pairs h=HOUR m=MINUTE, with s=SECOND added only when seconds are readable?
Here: h=10 m=39
